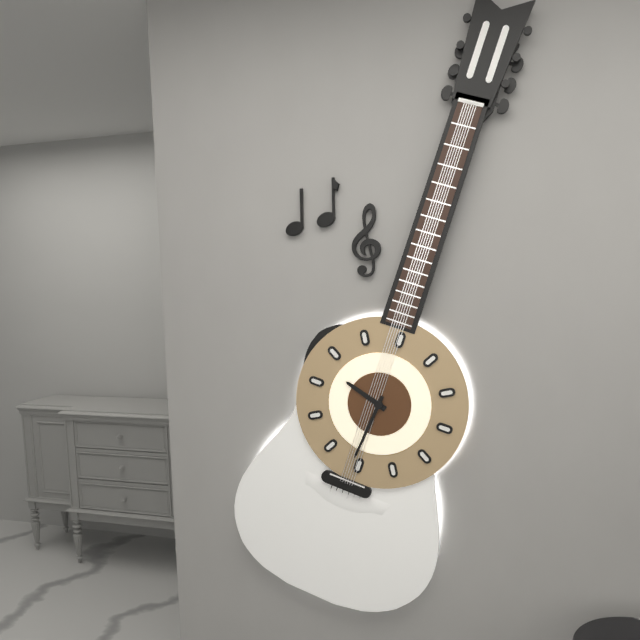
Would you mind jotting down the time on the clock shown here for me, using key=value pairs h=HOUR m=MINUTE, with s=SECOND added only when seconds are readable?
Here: h=9 m=31
